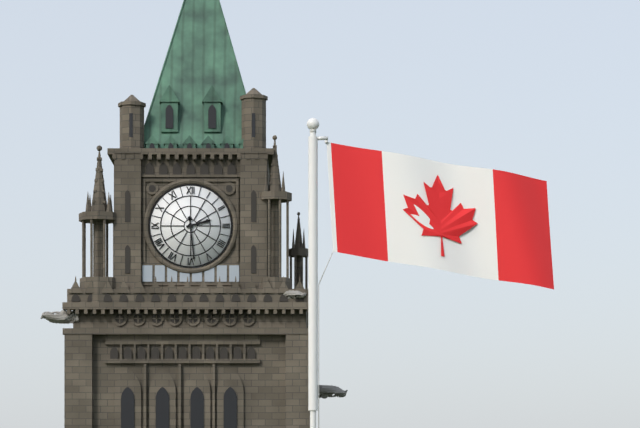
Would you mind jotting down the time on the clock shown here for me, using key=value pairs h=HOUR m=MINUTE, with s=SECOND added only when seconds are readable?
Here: h=2 m=29
